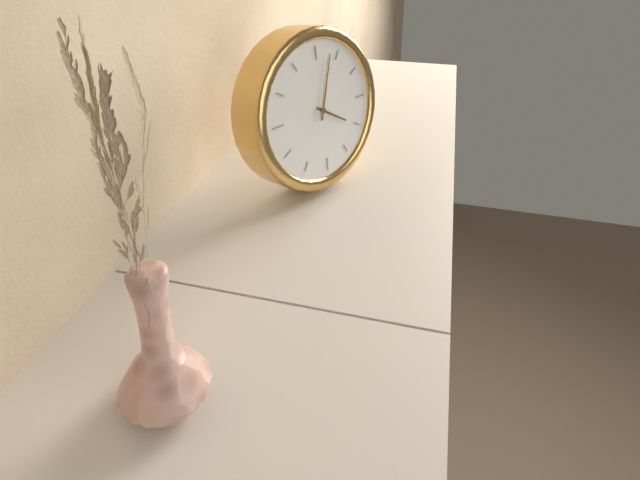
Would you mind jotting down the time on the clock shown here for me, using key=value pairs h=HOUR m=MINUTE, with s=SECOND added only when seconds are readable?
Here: h=4 m=3
